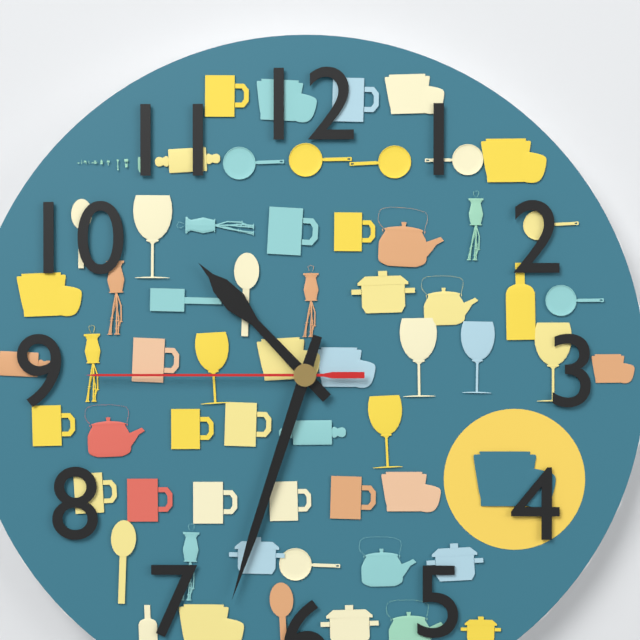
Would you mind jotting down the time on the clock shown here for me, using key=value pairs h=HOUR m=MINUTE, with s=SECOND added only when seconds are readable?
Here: h=10 m=33 s=45
